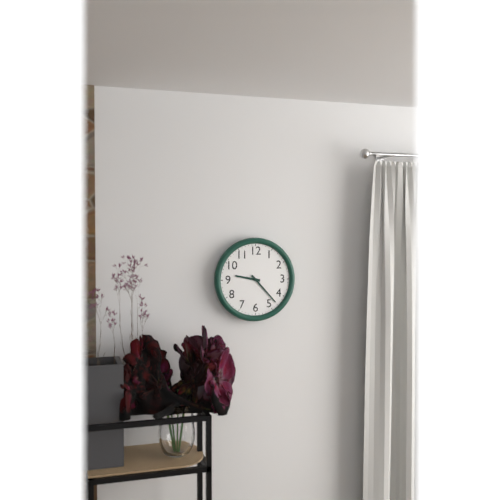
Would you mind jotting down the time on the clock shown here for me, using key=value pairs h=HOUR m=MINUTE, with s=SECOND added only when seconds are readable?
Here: h=9 m=23
